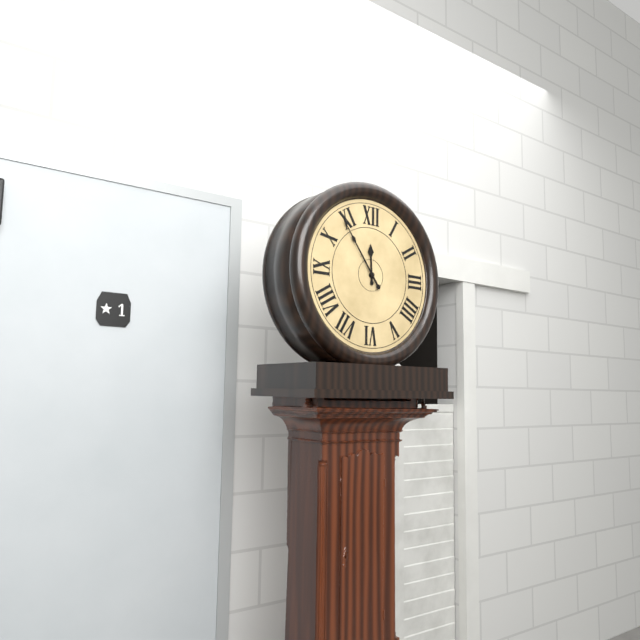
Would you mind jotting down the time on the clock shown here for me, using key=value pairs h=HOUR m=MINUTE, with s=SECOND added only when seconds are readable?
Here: h=11 m=54
